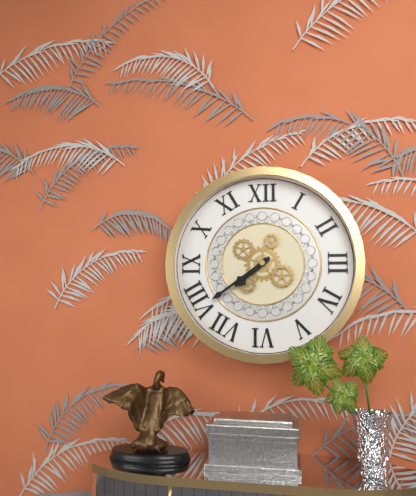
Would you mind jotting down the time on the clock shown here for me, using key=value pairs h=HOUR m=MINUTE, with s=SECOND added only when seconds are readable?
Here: h=7 m=39
